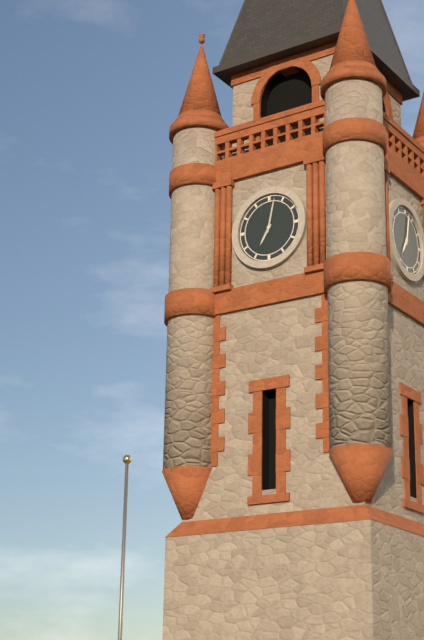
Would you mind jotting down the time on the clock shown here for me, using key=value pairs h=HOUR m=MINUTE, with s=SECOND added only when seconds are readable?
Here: h=7 m=2
